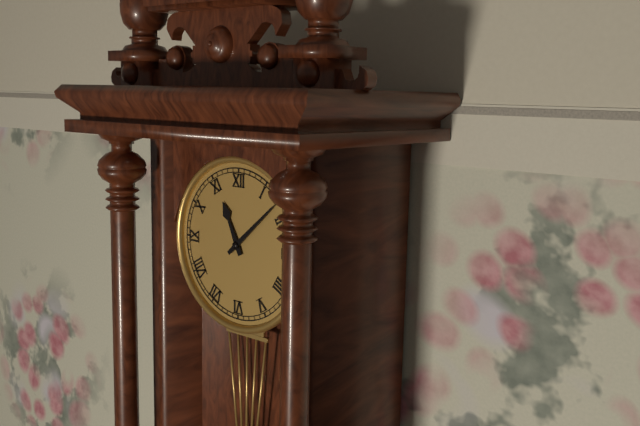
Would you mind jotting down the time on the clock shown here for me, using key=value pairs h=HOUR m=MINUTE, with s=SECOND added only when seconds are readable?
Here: h=11 m=8
